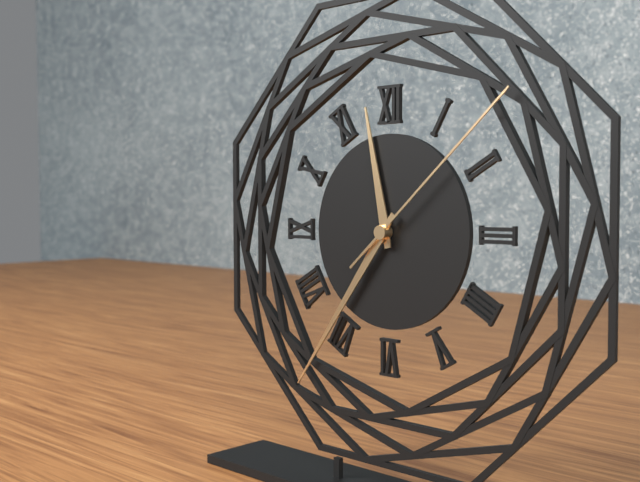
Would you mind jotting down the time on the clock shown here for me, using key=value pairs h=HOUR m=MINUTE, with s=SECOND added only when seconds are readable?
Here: h=11 m=36 s=8
